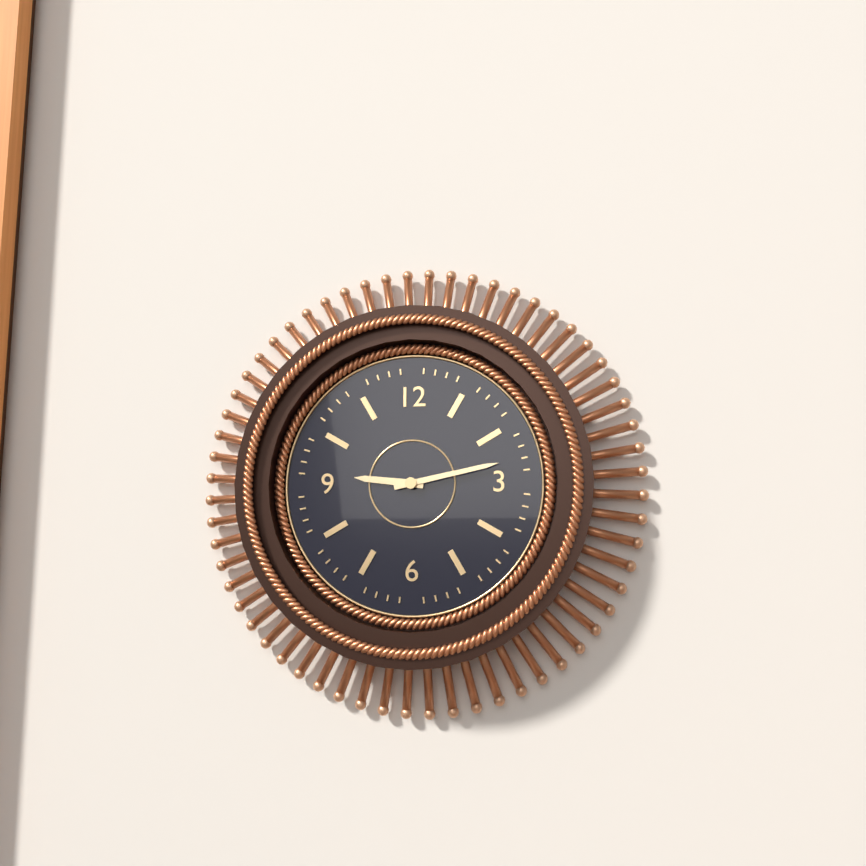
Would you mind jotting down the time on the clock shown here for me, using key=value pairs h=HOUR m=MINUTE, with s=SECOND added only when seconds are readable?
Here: h=9 m=13
